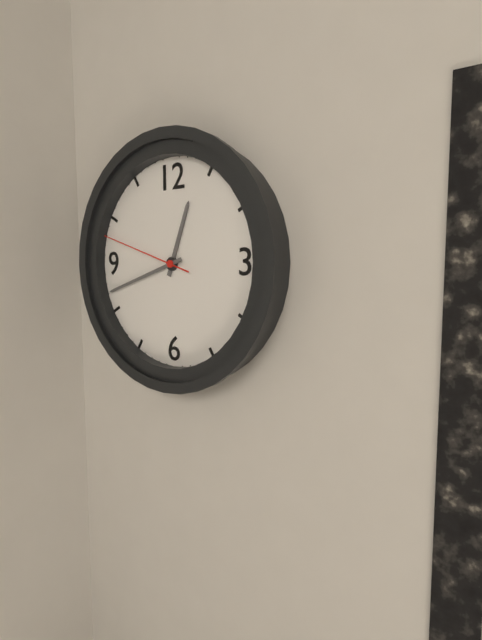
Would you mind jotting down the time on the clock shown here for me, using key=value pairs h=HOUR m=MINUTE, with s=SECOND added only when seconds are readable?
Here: h=12 m=42 s=48
